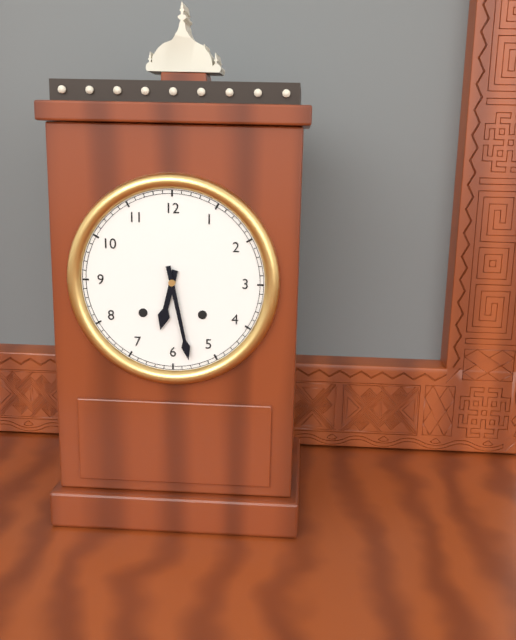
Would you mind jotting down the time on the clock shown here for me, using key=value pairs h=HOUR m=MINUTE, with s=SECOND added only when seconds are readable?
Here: h=6 m=28
